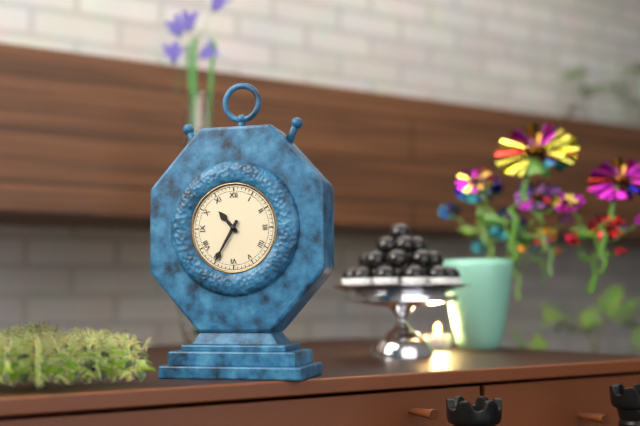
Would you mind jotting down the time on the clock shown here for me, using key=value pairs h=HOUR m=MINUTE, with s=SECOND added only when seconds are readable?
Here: h=10 m=35
